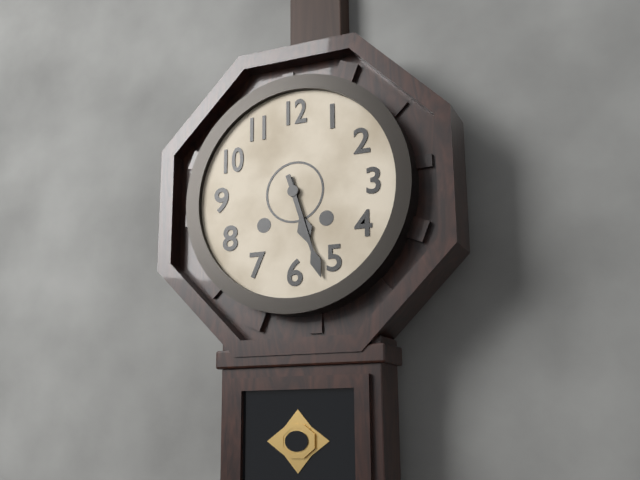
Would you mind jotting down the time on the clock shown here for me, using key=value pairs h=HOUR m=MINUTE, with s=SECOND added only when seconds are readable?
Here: h=5 m=27
